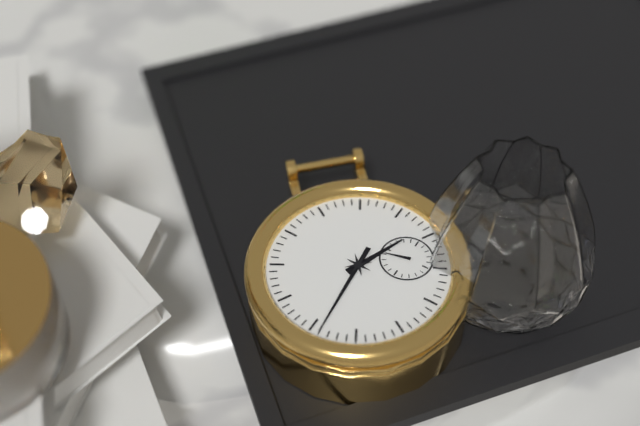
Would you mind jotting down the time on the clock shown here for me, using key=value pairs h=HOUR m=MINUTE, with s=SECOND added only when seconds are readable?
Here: h=3 m=44
